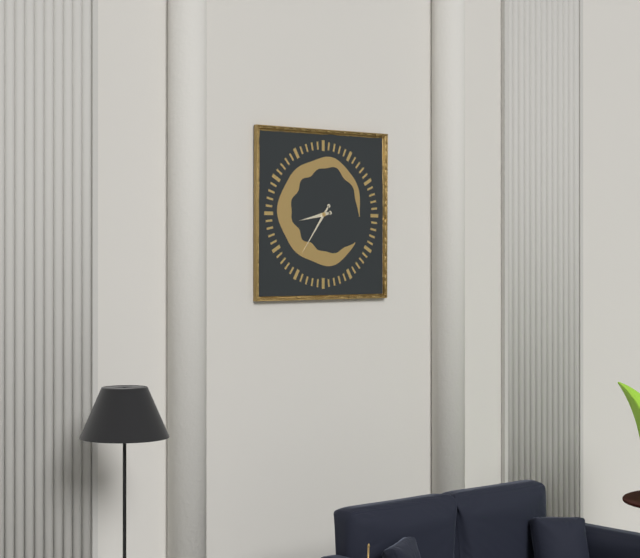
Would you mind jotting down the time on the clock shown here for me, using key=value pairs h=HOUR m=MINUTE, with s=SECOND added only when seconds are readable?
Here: h=8 m=36
